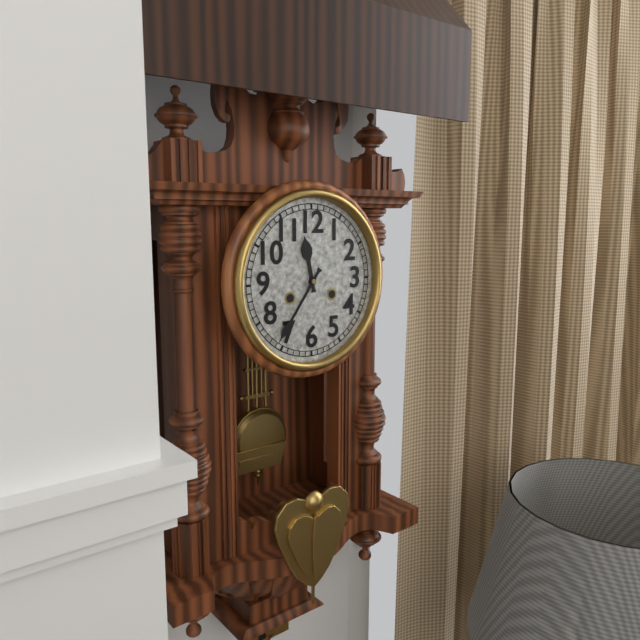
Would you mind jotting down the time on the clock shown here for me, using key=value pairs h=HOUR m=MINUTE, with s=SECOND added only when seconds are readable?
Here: h=11 m=36
